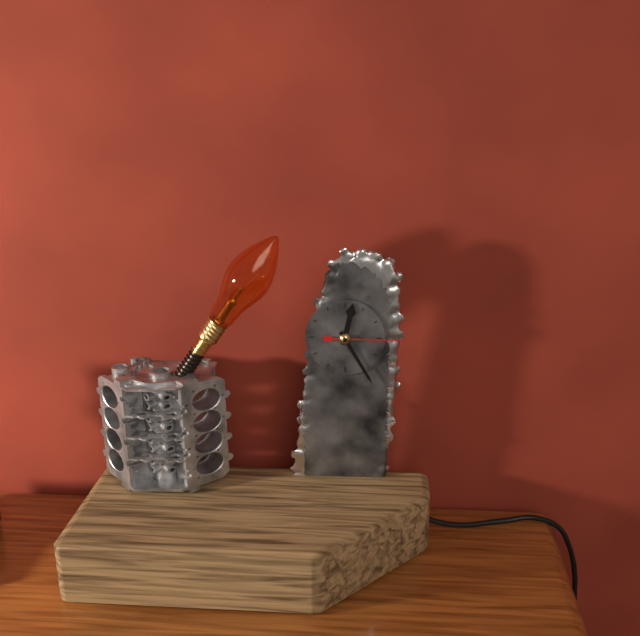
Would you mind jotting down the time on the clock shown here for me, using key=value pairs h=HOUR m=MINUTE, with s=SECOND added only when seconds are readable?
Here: h=12 m=25 s=15
